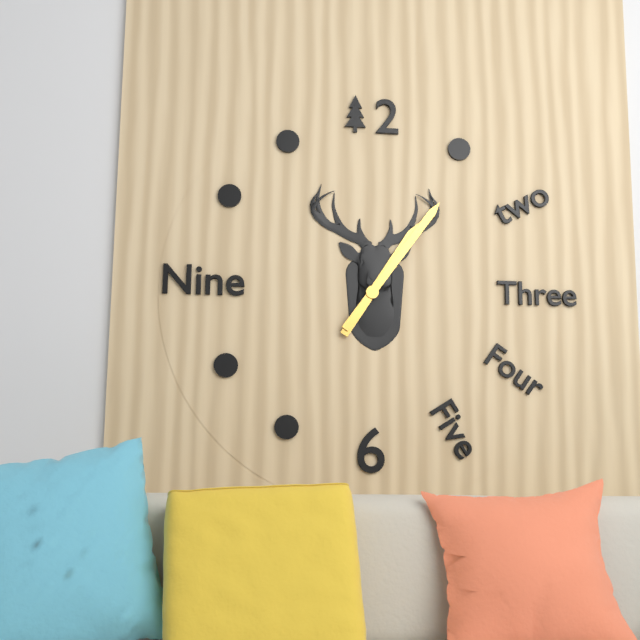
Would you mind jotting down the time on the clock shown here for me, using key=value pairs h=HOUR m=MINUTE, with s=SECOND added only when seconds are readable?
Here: h=1 m=6
